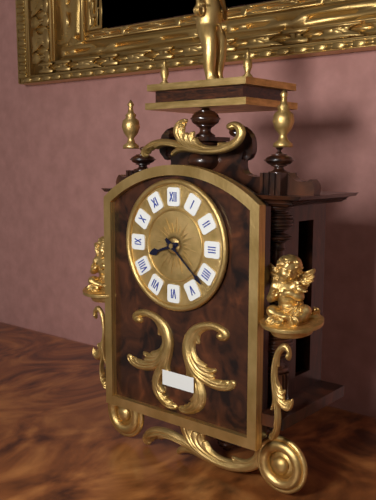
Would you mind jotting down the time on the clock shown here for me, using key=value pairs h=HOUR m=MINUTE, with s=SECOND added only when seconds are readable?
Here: h=8 m=22
